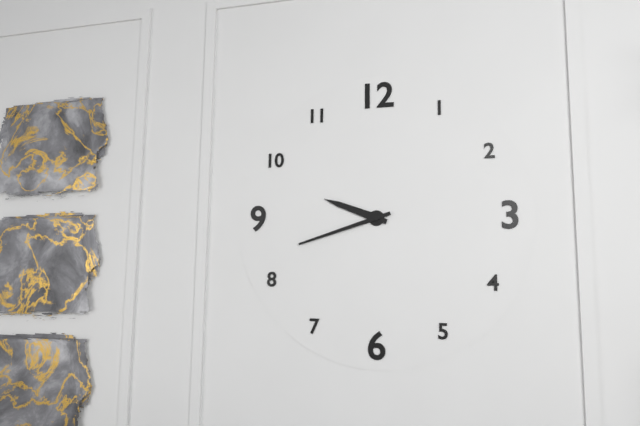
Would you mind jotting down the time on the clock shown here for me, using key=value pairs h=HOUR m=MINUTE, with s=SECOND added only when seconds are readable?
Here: h=9 m=42
